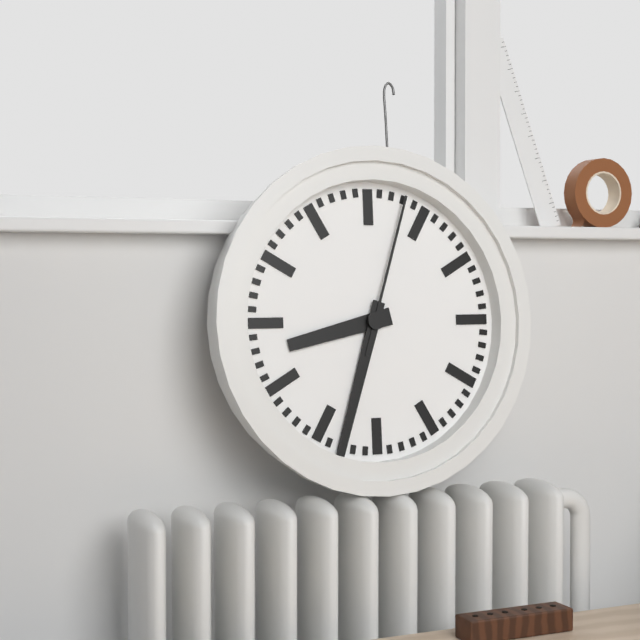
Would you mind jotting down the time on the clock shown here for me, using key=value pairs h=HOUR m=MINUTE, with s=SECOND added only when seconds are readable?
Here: h=8 m=33 s=3
